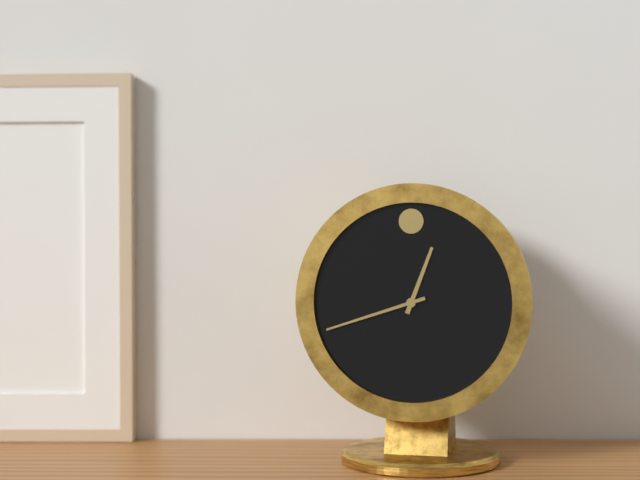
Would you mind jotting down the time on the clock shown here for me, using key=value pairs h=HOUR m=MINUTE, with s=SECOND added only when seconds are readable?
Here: h=12 m=42
